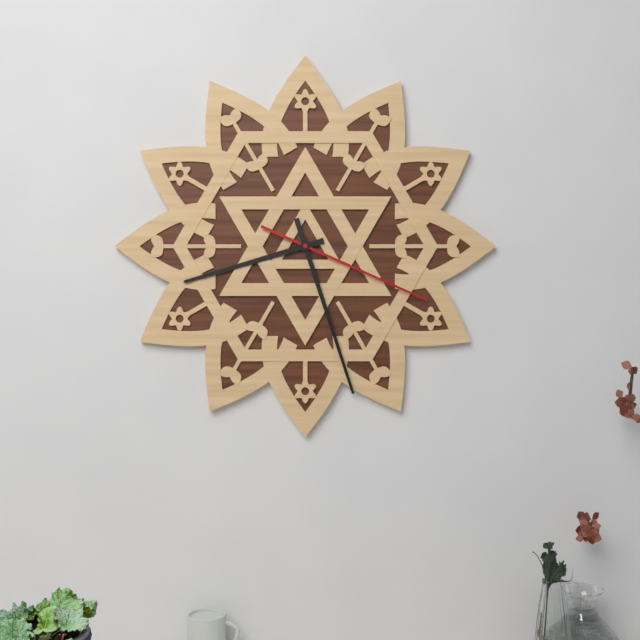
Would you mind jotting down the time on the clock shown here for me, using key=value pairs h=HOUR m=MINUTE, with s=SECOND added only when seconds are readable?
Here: h=8 m=27 s=19
